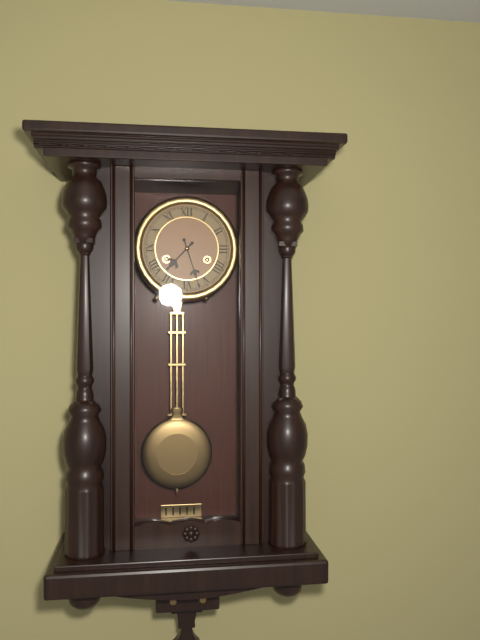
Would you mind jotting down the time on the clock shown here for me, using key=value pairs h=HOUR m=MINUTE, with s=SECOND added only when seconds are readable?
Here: h=7 m=27
